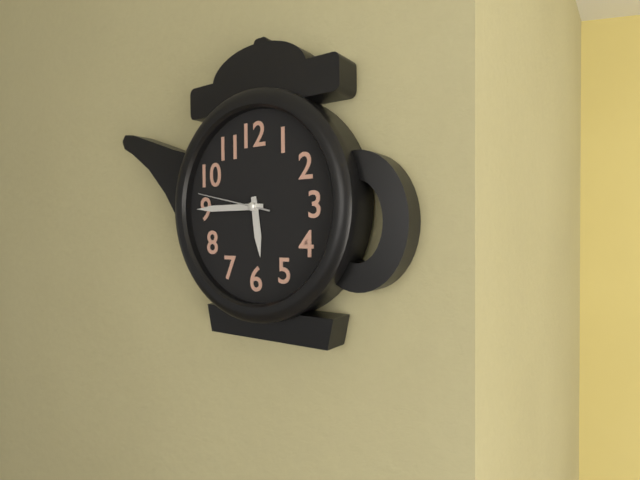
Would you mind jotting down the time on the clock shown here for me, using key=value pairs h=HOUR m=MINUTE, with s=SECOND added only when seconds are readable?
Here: h=5 m=45 s=47
